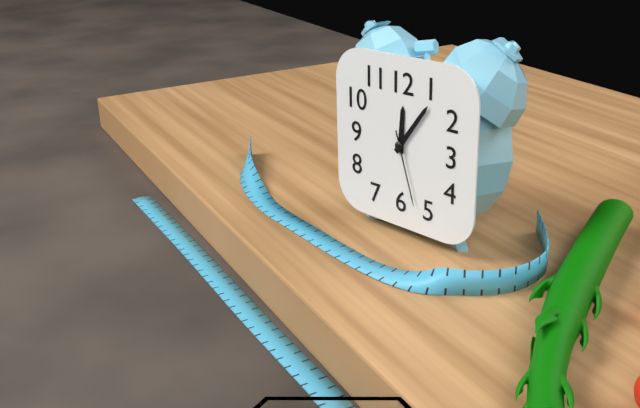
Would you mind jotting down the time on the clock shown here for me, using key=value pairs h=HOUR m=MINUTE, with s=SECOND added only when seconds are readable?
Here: h=12 m=6 s=27
